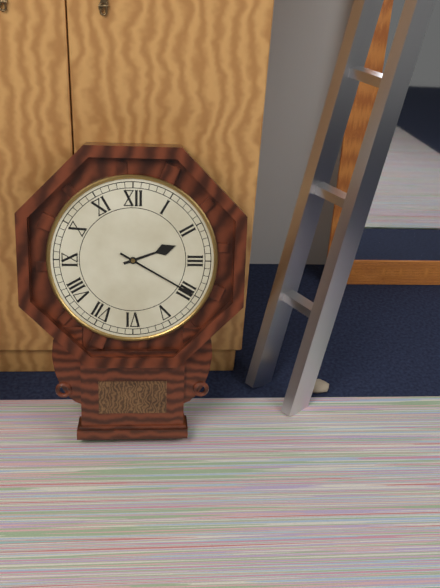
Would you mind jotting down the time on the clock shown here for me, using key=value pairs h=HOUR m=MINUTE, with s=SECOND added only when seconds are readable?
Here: h=2 m=20
